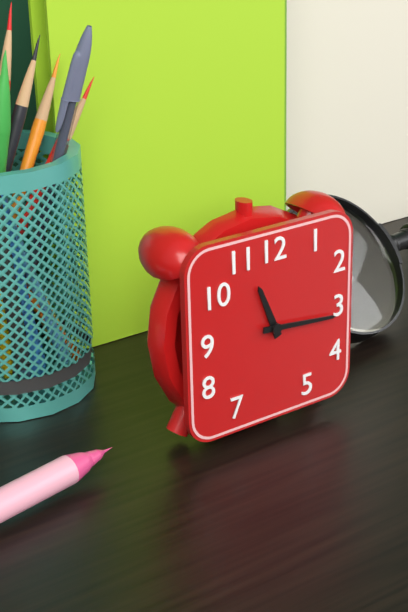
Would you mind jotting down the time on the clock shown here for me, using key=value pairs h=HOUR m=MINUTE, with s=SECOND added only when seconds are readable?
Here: h=11 m=16
